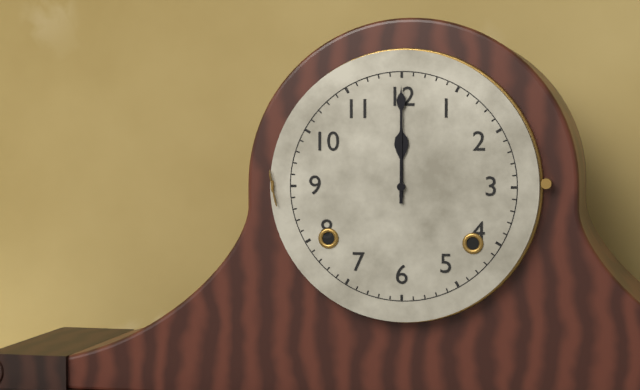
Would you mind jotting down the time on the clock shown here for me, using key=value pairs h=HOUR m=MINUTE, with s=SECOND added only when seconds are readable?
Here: h=12 m=0
